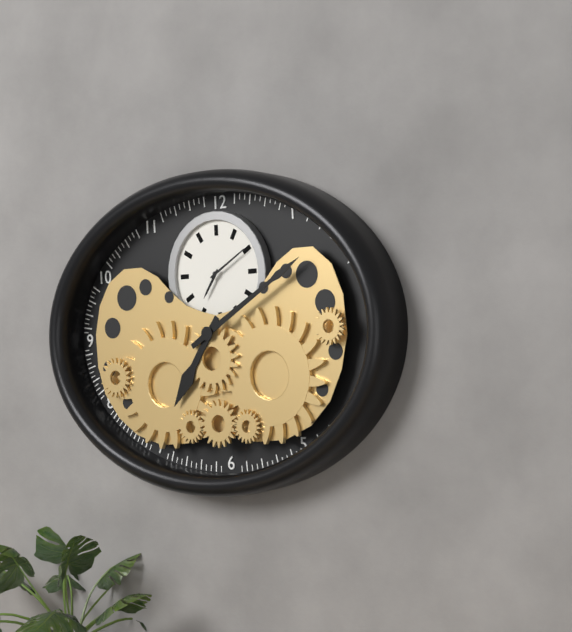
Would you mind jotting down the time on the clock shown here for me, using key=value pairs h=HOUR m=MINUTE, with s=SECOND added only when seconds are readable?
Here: h=7 m=10
